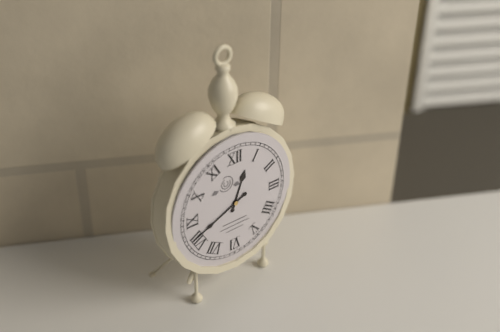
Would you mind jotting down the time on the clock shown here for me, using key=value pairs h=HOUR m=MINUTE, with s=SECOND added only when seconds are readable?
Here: h=12 m=41
